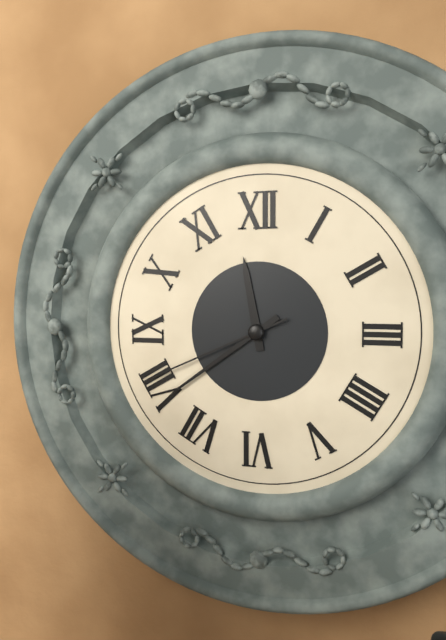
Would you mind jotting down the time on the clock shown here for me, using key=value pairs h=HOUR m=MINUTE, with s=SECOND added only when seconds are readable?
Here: h=11 m=39 s=41
